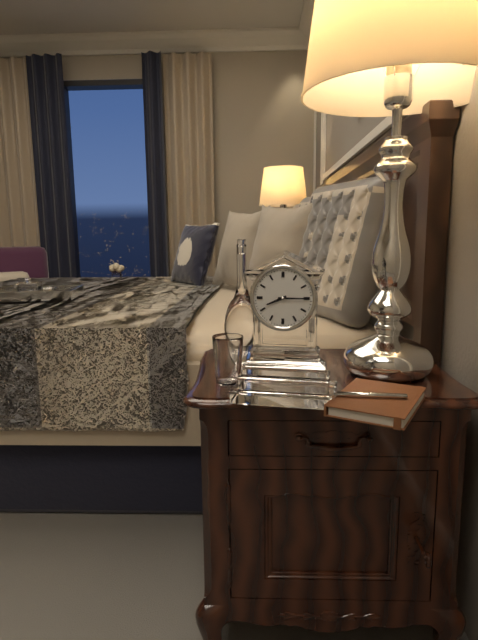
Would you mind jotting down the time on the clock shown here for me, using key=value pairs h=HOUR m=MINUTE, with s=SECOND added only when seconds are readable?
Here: h=8 m=15
